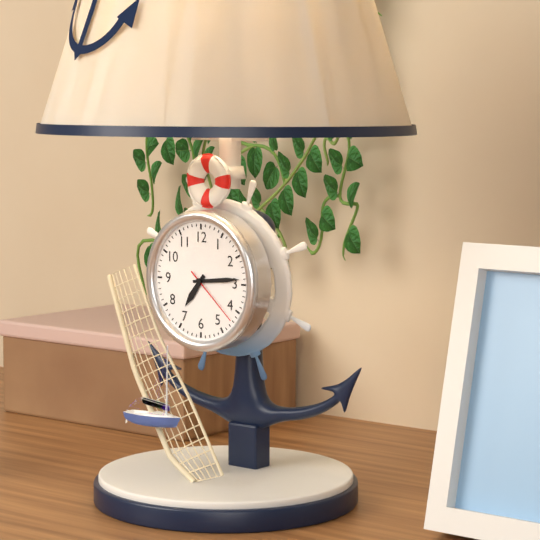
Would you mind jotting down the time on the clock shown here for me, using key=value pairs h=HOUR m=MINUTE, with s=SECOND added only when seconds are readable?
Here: h=7 m=14 s=22
